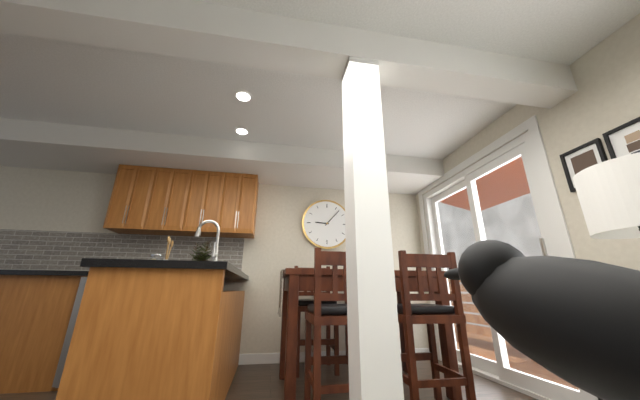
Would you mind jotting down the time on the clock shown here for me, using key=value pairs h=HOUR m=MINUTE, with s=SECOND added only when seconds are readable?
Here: h=9 m=7
